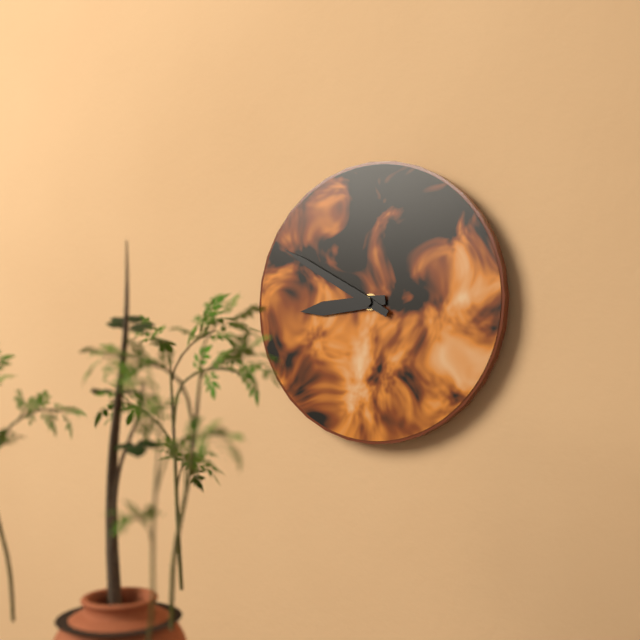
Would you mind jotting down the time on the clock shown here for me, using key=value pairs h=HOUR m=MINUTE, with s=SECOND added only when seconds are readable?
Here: h=8 m=50
